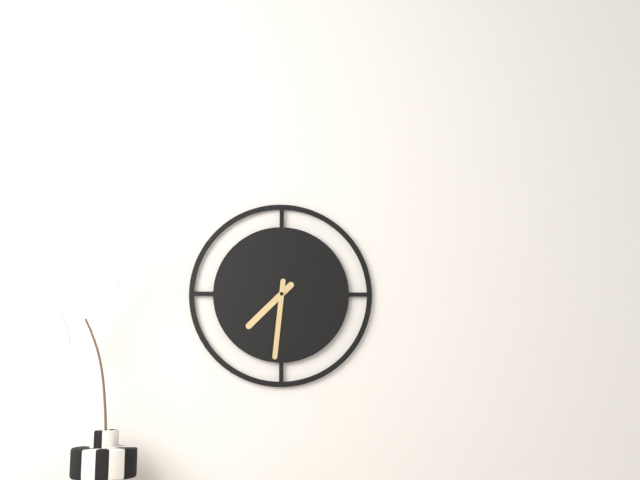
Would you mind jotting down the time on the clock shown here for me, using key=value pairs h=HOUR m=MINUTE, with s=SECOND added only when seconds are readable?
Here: h=7 m=31
